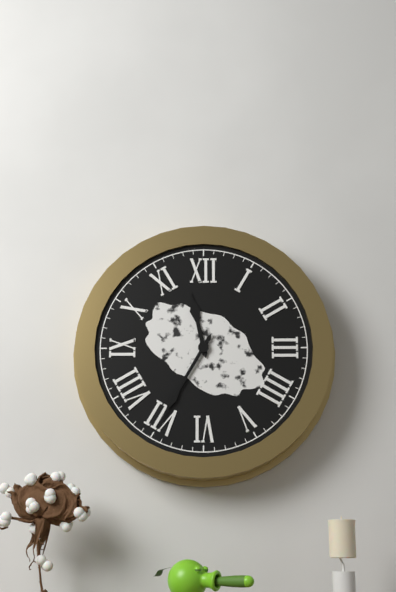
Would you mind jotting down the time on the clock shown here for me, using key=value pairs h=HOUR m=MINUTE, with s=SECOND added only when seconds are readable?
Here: h=11 m=35
